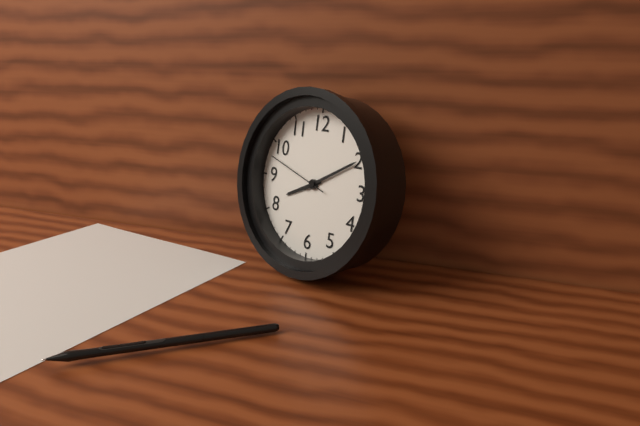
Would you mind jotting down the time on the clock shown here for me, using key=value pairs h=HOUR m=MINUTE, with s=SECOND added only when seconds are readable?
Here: h=8 m=10 s=48
